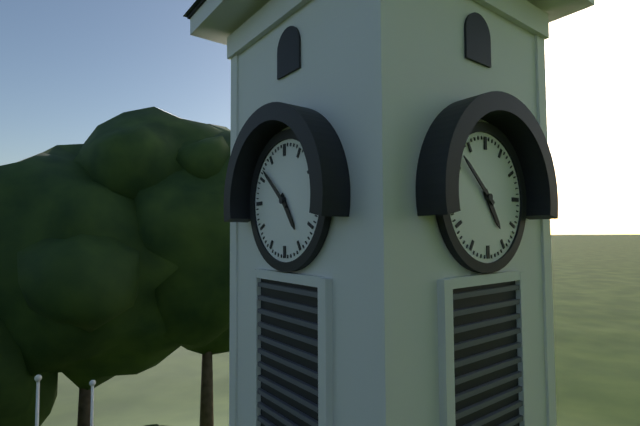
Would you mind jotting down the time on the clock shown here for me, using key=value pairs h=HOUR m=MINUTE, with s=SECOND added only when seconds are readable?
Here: h=4 m=52
